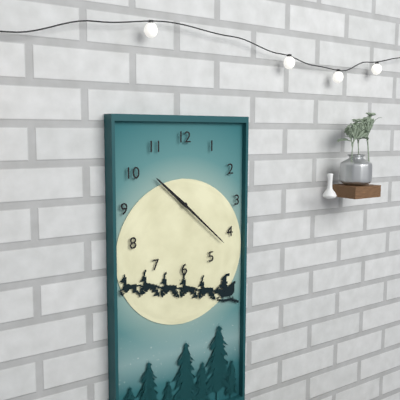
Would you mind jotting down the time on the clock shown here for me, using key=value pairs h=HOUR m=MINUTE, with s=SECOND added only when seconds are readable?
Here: h=10 m=22
